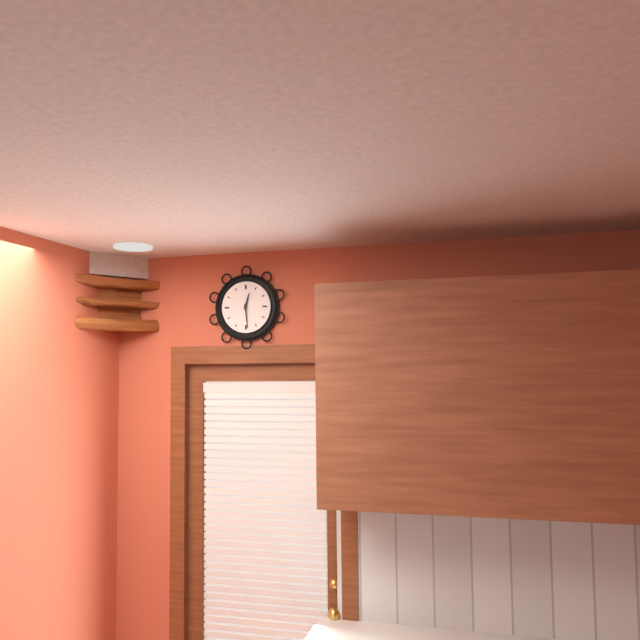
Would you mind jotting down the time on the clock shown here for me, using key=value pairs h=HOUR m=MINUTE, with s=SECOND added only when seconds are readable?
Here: h=12 m=29
